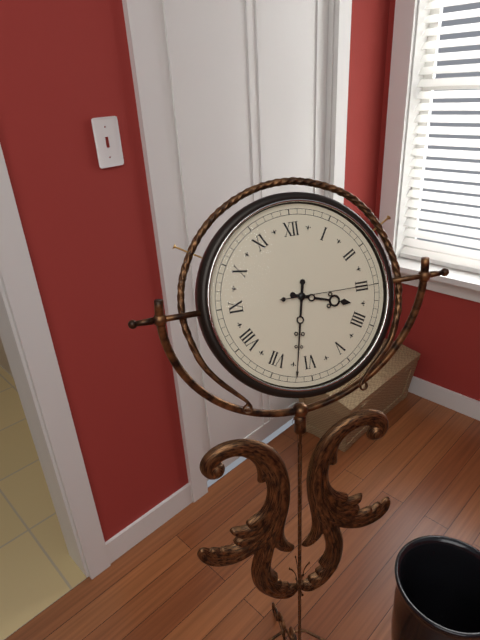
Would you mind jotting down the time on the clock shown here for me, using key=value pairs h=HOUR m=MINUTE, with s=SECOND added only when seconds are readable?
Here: h=3 m=32 s=15
